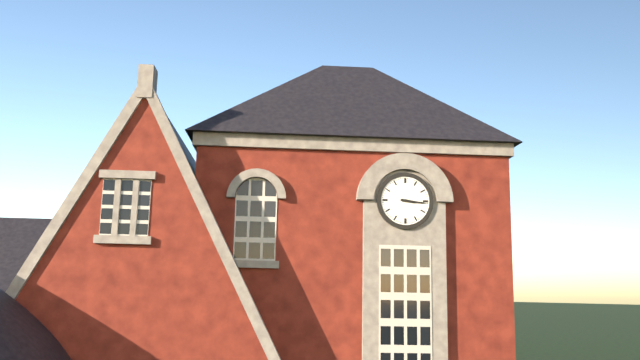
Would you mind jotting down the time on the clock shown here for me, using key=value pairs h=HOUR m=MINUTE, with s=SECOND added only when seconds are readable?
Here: h=3 m=16
